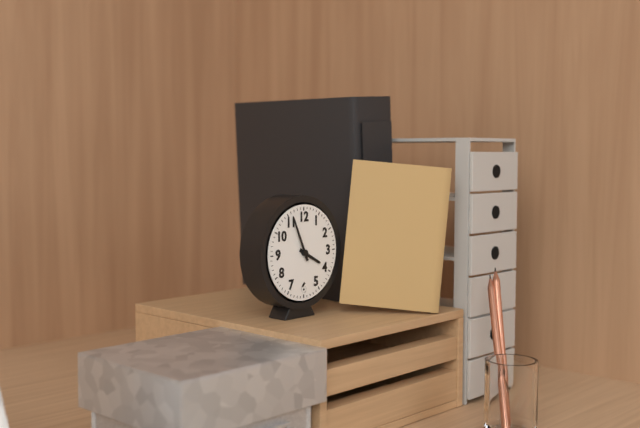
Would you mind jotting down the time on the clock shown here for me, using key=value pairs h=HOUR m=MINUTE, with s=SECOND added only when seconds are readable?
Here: h=3 m=56
